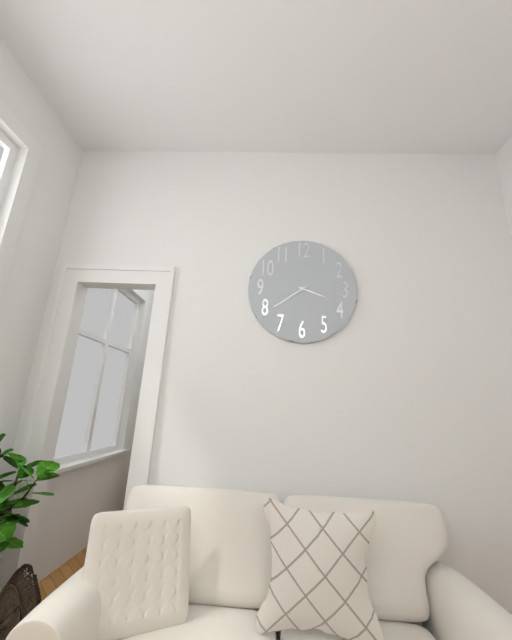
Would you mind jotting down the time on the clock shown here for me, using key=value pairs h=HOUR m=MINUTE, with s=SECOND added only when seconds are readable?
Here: h=3 m=39
